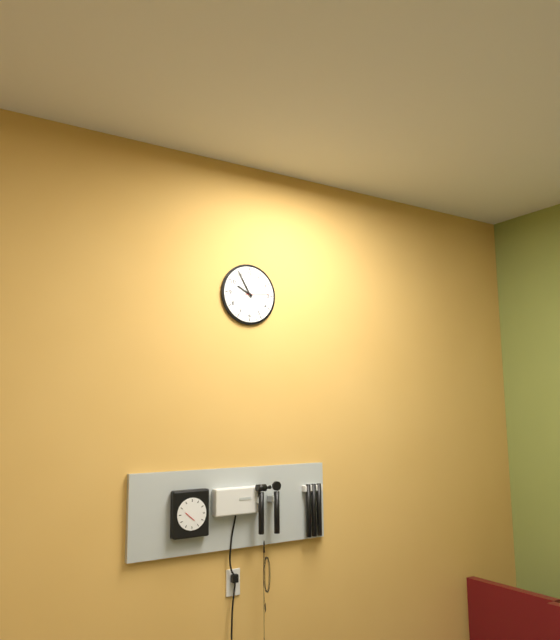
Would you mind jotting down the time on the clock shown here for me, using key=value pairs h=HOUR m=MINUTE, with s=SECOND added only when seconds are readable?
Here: h=9 m=55
